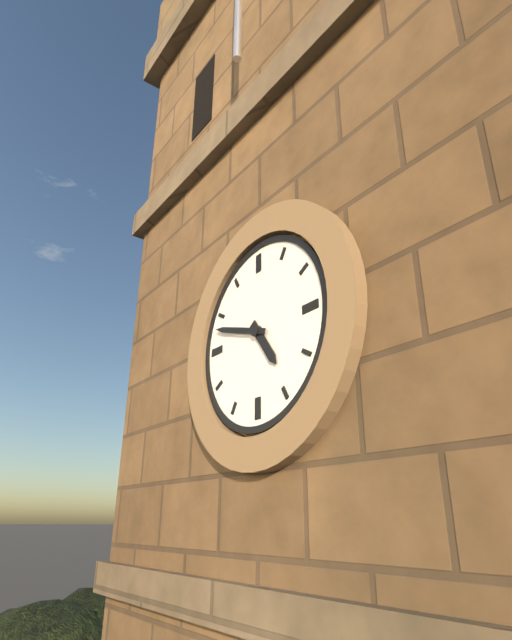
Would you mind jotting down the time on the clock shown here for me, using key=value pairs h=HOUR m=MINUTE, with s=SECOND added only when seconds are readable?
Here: h=4 m=48
